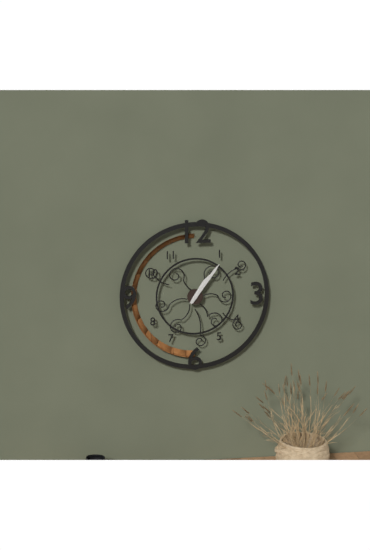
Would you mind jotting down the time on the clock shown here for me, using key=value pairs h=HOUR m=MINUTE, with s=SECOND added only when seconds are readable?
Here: h=1 m=6
